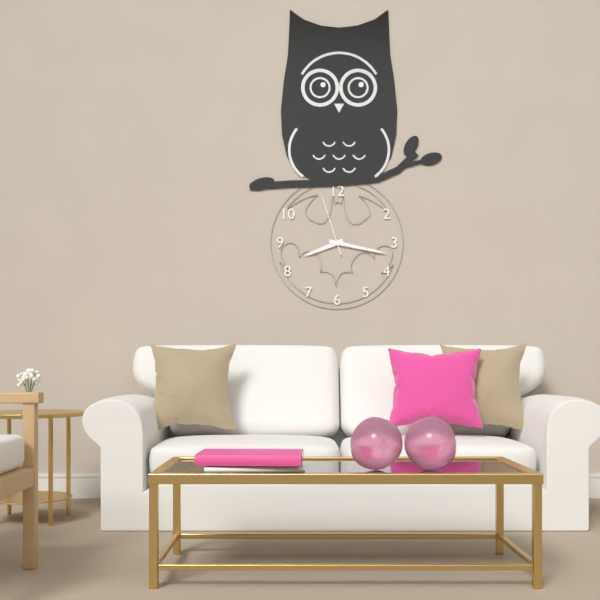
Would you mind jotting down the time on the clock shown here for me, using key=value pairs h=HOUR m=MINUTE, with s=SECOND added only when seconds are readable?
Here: h=8 m=17 s=57
